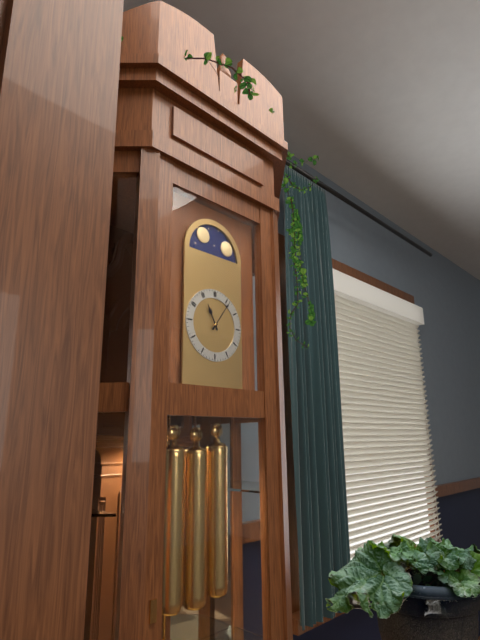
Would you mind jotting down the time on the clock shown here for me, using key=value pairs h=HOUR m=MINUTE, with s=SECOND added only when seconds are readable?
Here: h=11 m=6
